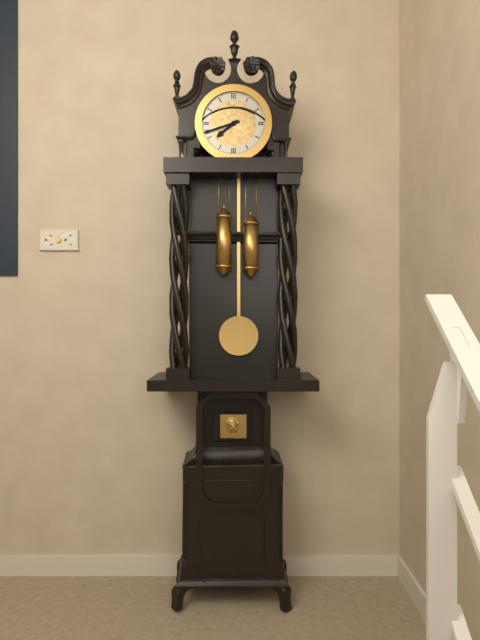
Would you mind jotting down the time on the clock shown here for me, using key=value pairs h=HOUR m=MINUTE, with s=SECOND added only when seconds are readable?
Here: h=7 m=42
